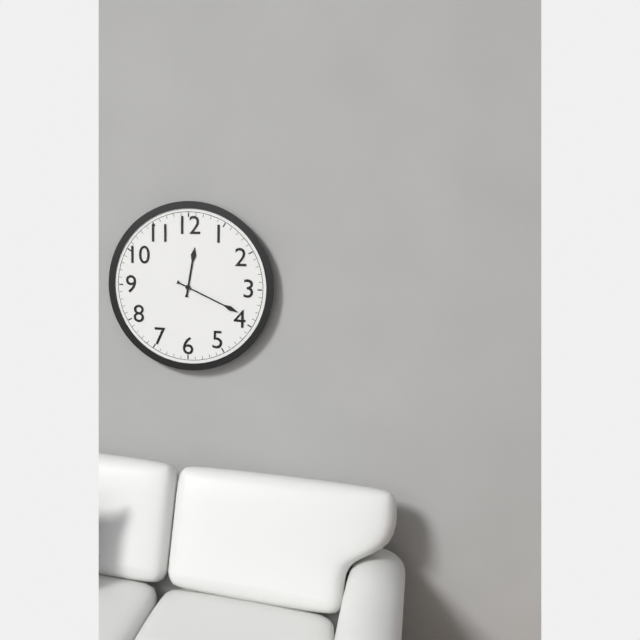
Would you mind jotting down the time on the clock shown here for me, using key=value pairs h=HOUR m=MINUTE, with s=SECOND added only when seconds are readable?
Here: h=12 m=19
